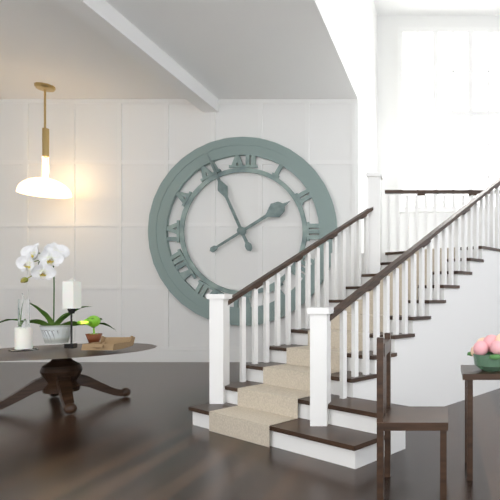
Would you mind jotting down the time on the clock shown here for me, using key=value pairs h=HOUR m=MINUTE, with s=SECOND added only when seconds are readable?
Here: h=1 m=56
